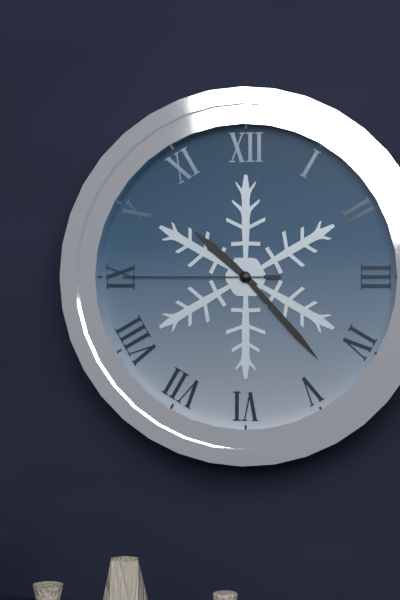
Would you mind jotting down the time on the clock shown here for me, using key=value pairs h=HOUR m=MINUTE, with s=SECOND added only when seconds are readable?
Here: h=10 m=23 s=45
